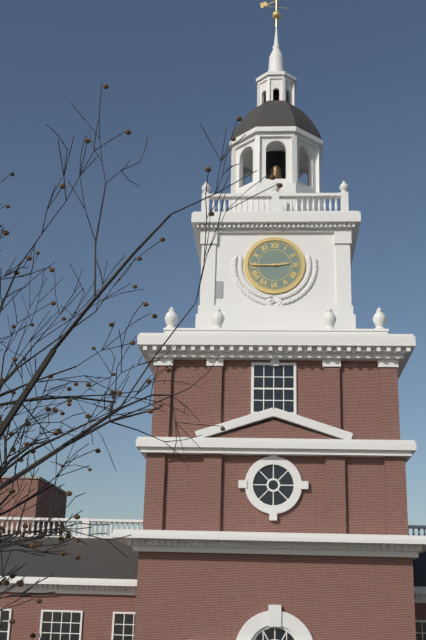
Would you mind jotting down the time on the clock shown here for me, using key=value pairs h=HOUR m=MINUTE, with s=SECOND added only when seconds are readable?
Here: h=2 m=45
